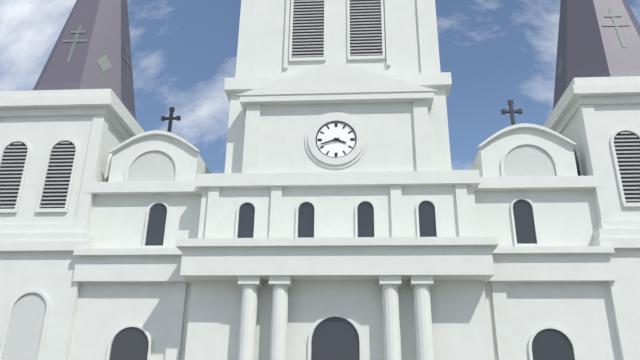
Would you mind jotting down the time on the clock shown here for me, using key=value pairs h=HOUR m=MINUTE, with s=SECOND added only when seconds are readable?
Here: h=3 m=42
